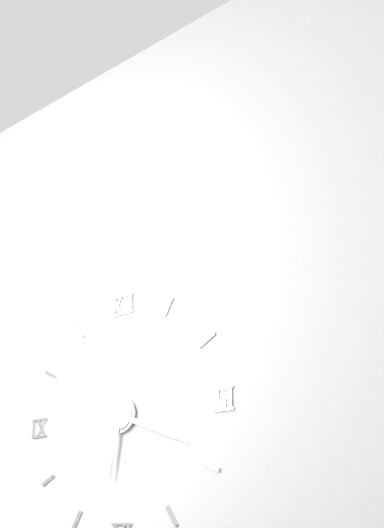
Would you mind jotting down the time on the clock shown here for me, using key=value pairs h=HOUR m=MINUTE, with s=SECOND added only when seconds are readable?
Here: h=6 m=19
